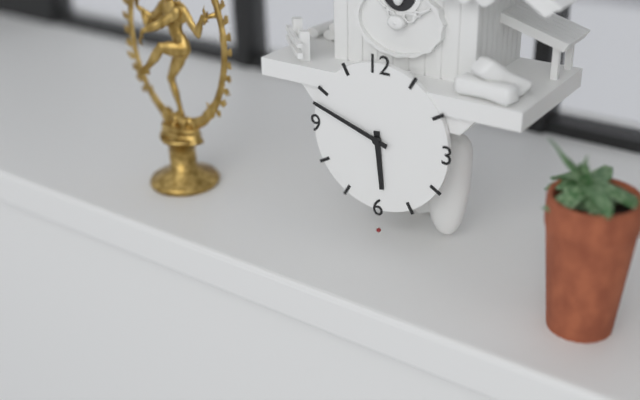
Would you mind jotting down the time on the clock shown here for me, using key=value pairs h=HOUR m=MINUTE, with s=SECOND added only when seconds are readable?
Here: h=5 m=48
